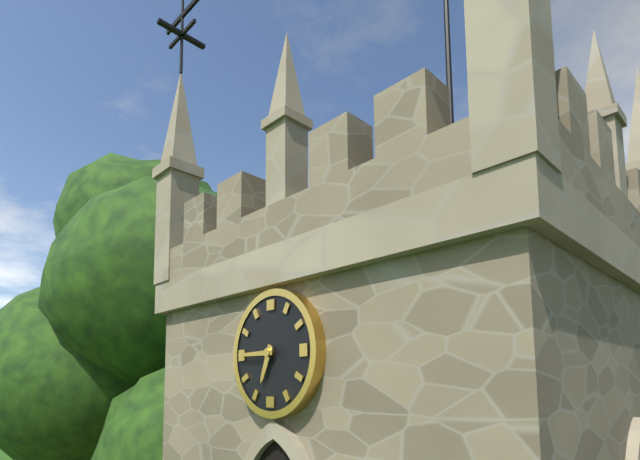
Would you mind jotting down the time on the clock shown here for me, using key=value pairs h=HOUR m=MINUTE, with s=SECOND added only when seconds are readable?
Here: h=6 m=45
